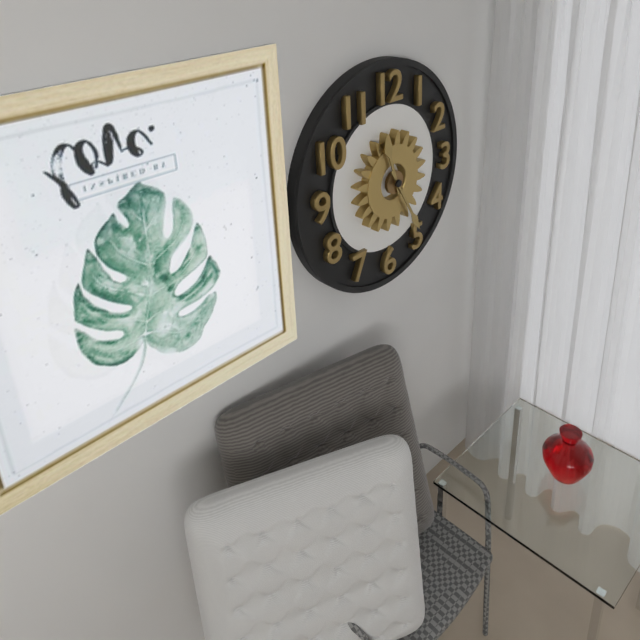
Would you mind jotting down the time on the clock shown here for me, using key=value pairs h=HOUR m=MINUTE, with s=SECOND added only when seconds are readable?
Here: h=11 m=25
